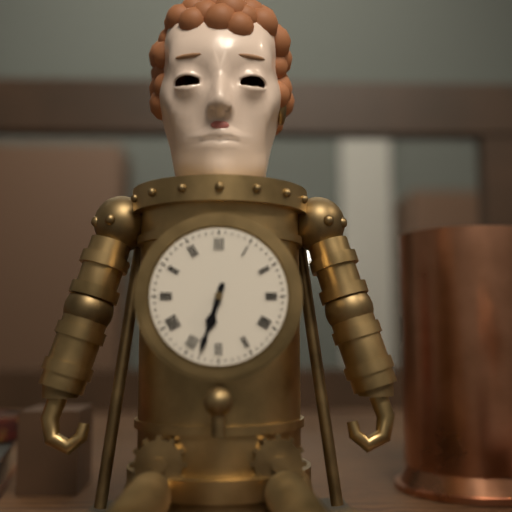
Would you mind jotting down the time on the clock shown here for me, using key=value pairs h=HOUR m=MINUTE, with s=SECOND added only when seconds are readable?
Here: h=6 m=33
